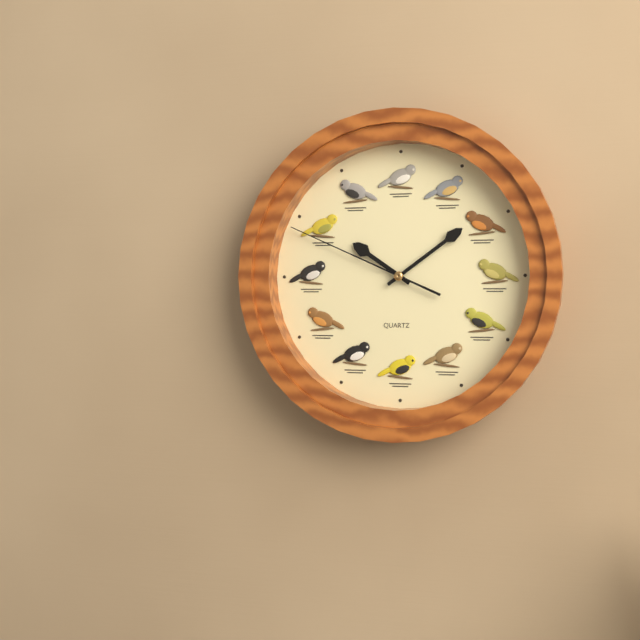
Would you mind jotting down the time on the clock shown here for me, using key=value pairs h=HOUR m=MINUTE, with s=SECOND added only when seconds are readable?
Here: h=10 m=9 s=49
